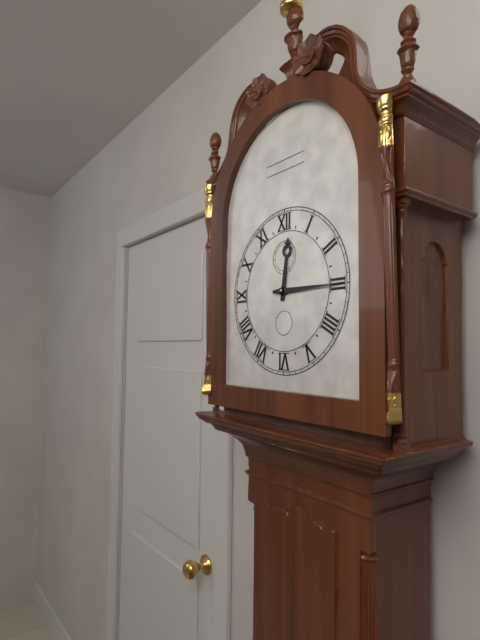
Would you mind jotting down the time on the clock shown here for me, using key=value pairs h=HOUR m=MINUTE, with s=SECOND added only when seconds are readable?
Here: h=12 m=15
